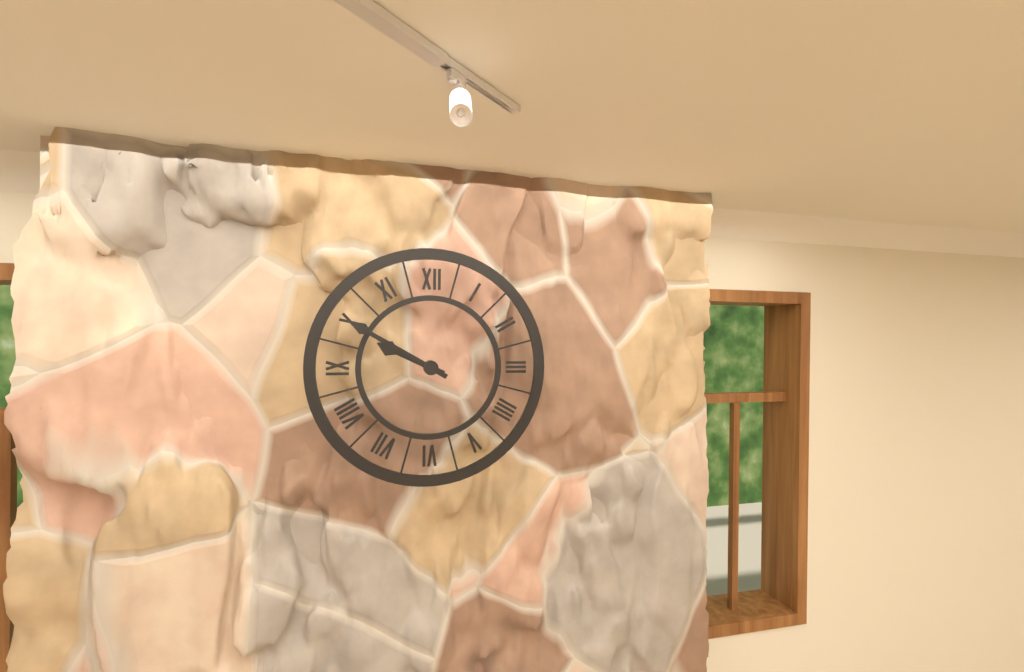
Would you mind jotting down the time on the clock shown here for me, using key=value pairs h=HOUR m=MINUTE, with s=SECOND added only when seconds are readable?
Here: h=9 m=50
